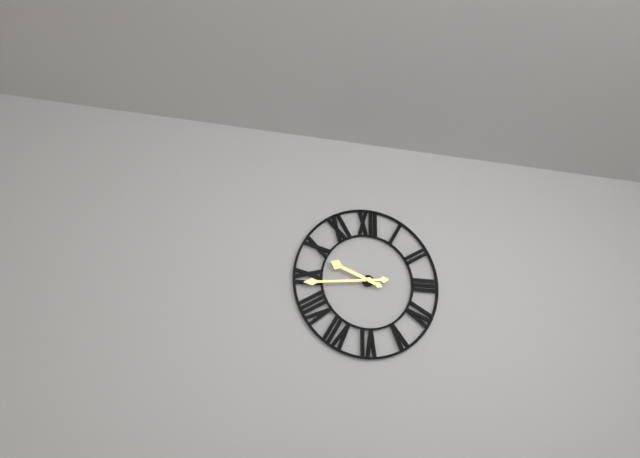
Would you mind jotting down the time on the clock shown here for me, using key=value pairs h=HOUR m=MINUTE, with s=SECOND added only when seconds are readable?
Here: h=9 m=44
